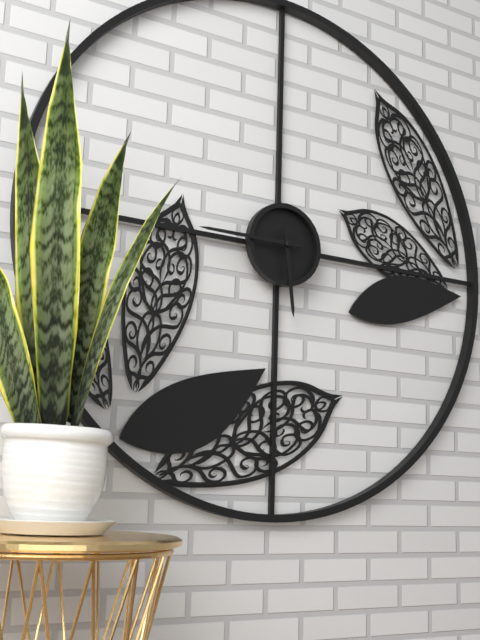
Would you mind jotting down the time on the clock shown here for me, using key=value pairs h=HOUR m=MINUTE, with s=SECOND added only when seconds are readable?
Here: h=5 m=45
